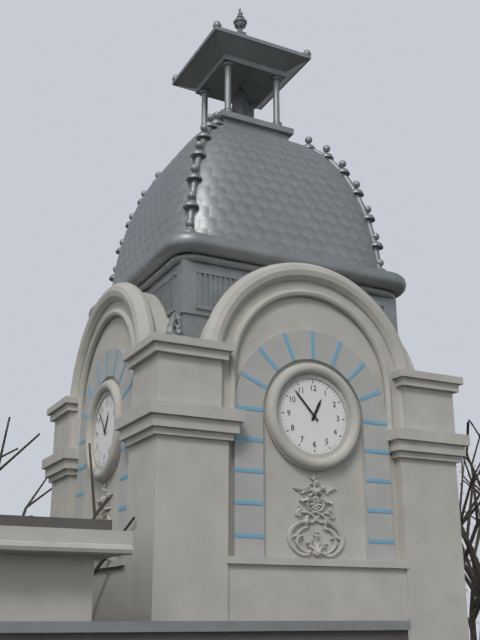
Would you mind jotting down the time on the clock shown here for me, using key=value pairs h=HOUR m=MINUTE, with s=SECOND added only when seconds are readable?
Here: h=12 m=53
